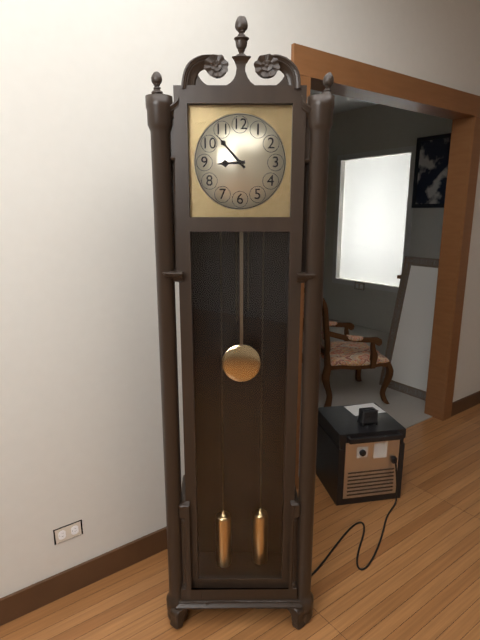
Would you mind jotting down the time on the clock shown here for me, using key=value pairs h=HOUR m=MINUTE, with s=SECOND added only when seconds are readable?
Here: h=8 m=53
